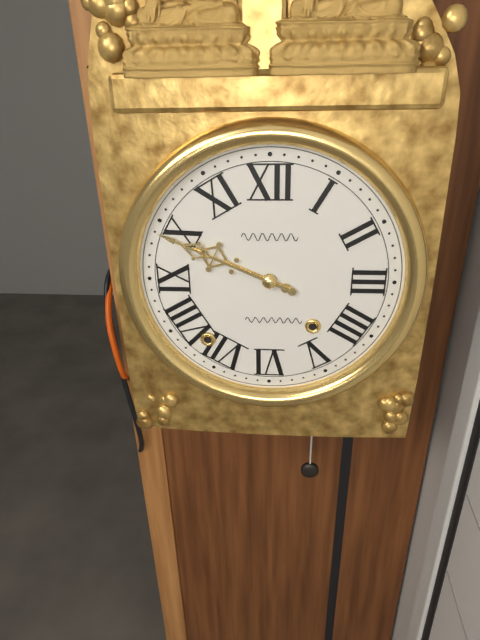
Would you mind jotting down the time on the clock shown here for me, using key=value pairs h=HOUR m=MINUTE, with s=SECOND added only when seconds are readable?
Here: h=9 m=49
